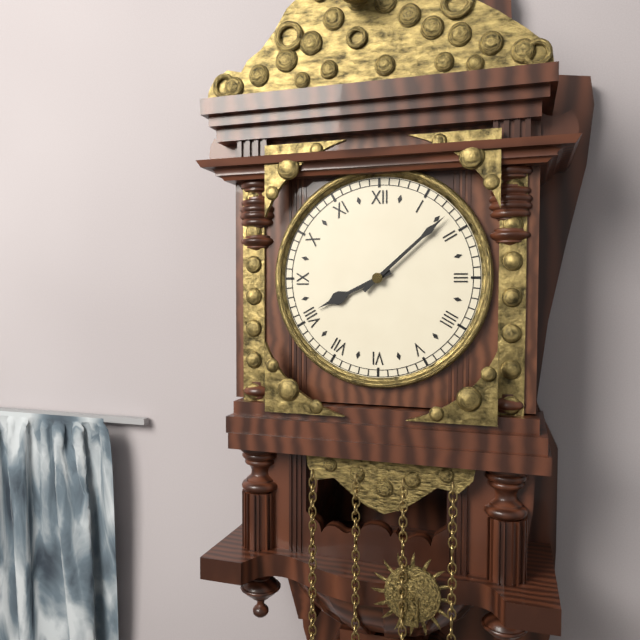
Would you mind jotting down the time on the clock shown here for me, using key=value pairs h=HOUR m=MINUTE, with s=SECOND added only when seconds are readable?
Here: h=8 m=8
